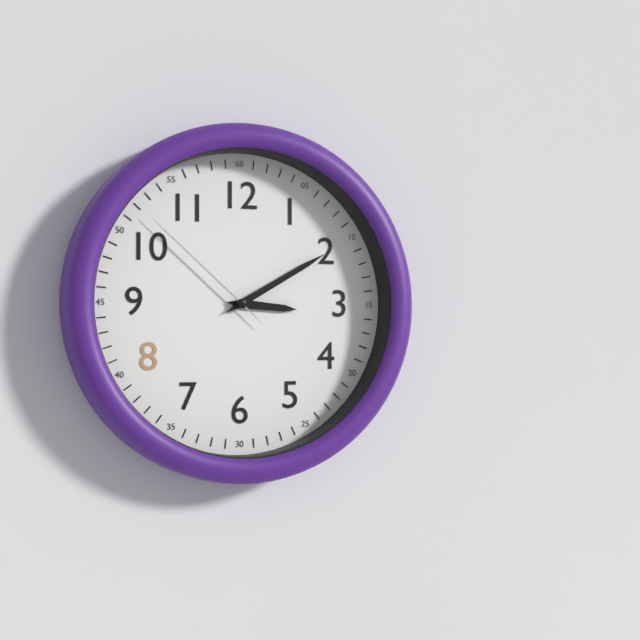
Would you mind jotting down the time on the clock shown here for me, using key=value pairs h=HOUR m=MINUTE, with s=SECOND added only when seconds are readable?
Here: h=3 m=10 s=52
